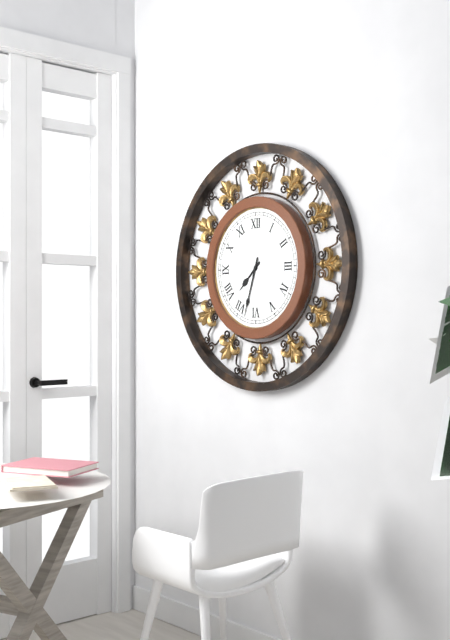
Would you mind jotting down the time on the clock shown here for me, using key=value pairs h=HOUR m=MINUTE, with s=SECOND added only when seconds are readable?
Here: h=7 m=33
